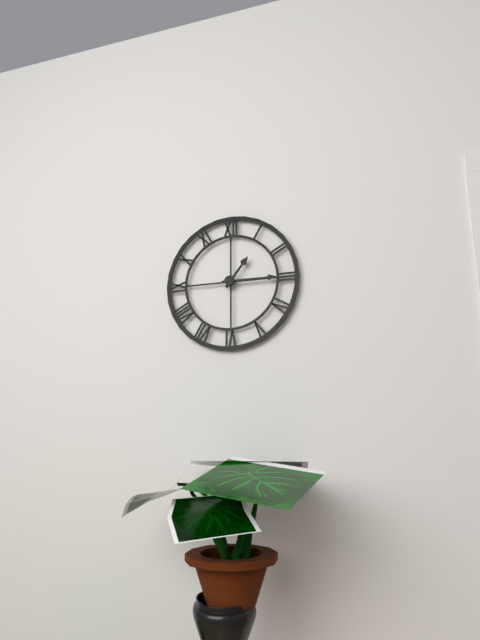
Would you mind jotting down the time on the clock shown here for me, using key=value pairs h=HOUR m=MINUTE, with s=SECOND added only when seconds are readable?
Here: h=1 m=15
